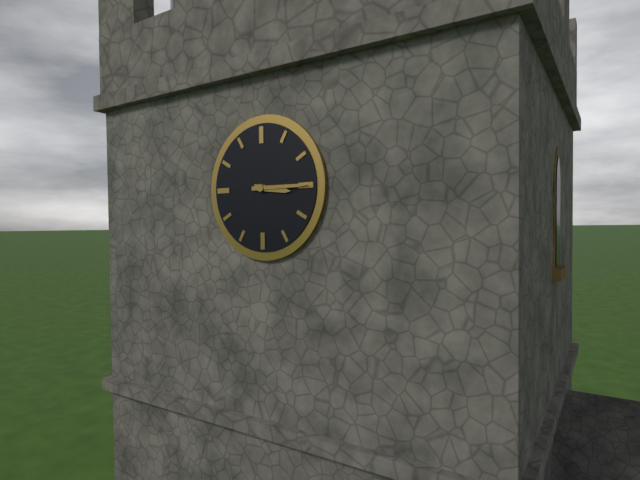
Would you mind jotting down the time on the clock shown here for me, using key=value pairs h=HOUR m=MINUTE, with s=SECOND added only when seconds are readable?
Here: h=3 m=15
